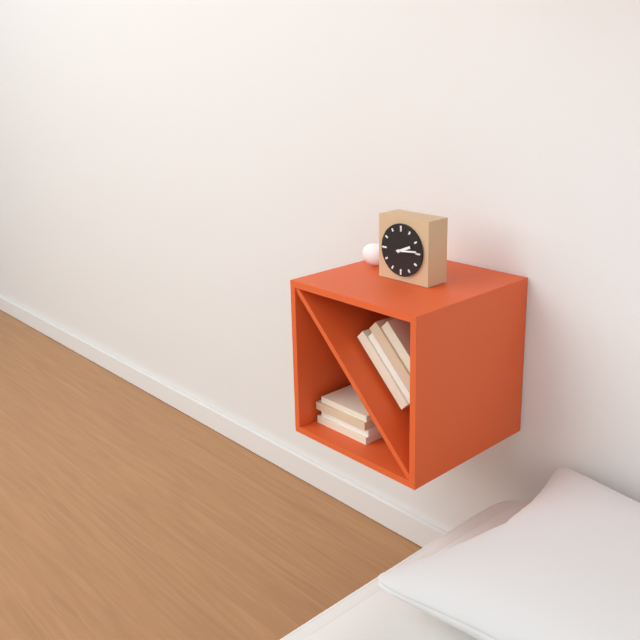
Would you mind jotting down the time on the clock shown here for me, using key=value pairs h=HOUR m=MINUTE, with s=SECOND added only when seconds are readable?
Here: h=2 m=14
